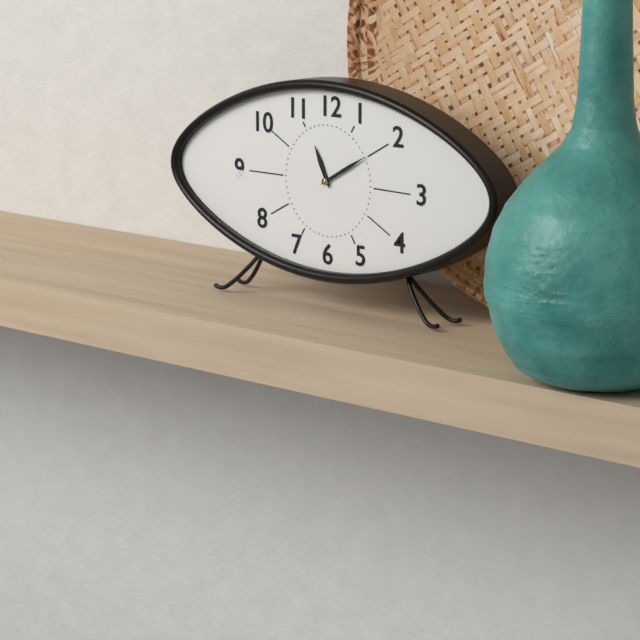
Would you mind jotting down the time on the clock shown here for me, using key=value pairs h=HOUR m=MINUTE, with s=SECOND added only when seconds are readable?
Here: h=11 m=10
